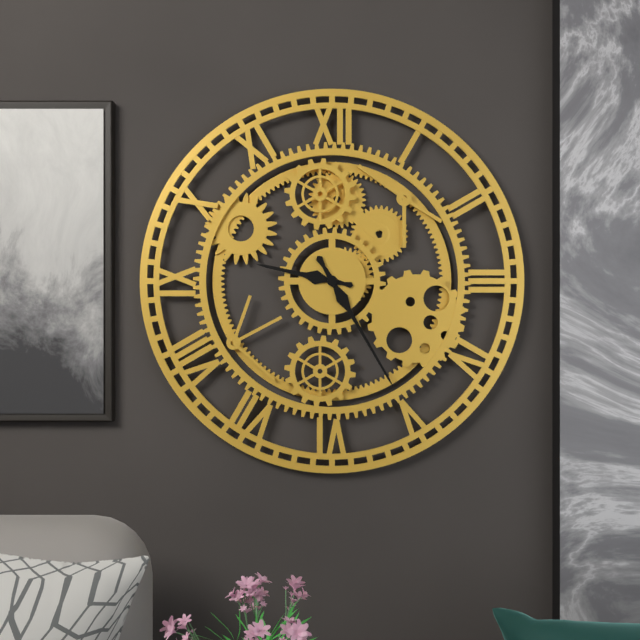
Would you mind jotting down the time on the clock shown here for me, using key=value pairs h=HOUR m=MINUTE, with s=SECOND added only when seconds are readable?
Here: h=9 m=25
